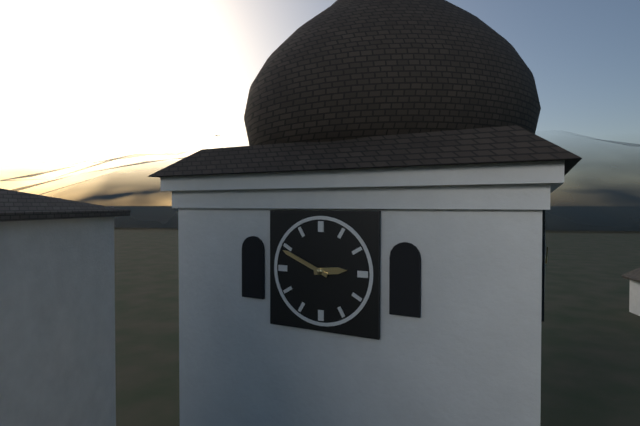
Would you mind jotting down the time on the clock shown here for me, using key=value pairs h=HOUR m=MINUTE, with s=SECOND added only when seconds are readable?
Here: h=2 m=49
